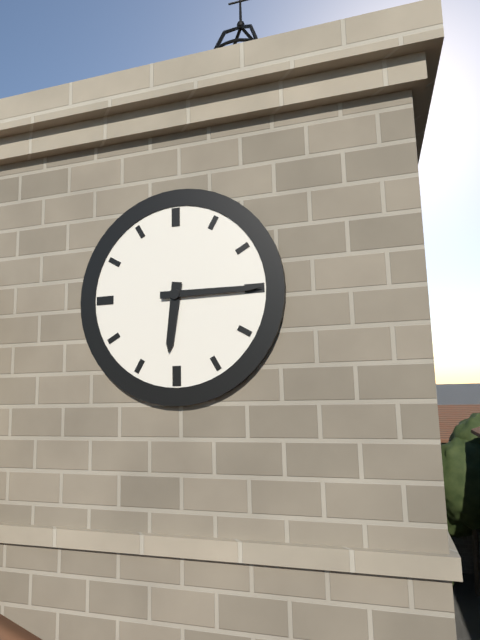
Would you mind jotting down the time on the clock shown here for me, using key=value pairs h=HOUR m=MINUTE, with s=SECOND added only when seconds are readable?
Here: h=6 m=15
